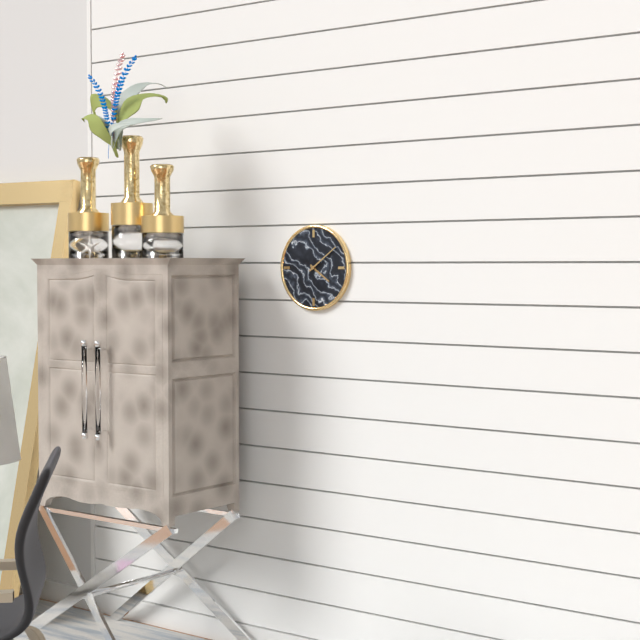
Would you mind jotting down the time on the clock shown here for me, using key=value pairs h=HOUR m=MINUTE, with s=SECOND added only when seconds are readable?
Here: h=4 m=9
